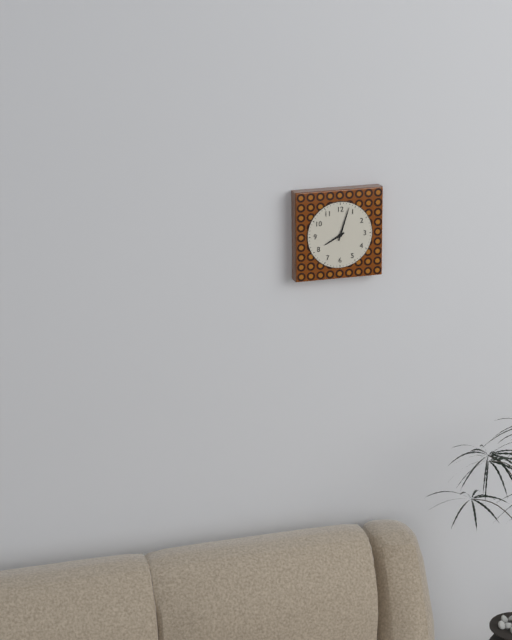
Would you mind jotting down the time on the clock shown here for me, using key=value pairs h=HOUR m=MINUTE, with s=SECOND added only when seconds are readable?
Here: h=8 m=3
